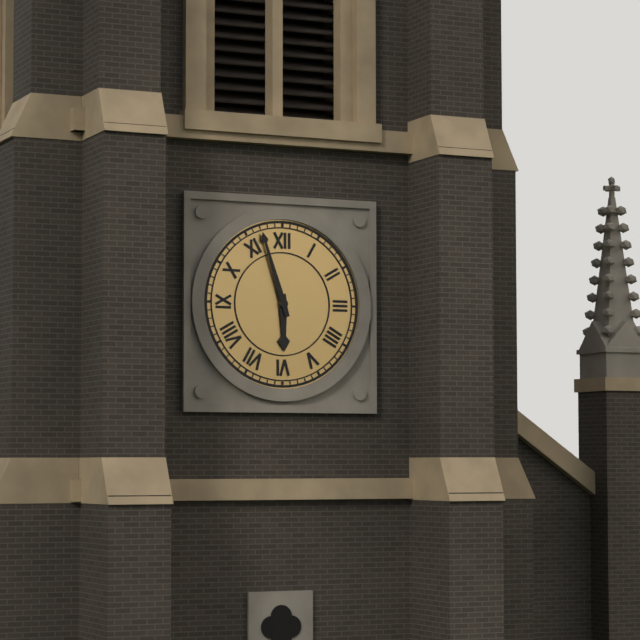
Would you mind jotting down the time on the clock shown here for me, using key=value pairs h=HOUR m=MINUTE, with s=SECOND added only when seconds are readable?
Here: h=5 m=57
